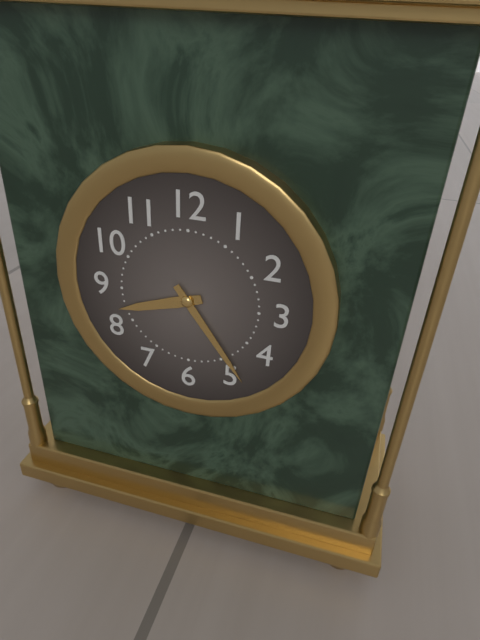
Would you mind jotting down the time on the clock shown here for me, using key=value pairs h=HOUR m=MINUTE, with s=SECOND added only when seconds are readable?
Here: h=8 m=24
